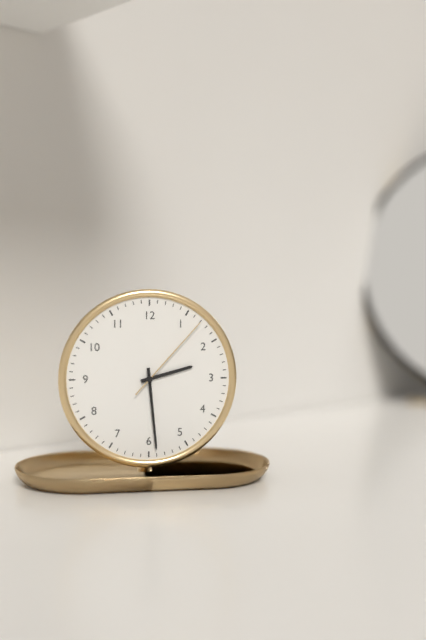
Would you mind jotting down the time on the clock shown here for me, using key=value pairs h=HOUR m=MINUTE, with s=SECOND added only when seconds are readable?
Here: h=2 m=29 s=7
